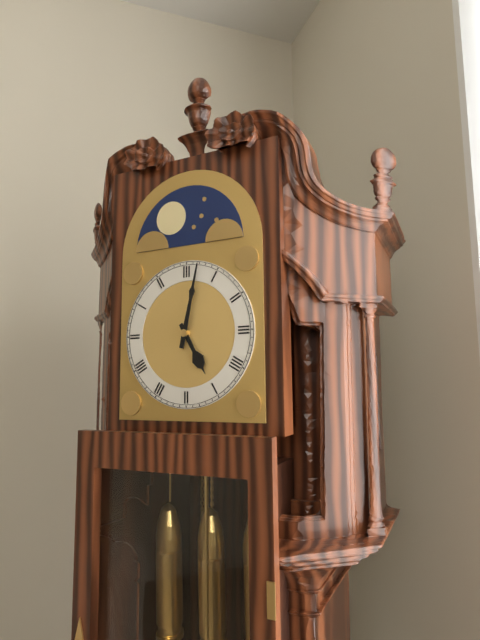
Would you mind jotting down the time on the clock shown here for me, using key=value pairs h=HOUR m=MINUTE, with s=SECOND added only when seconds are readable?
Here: h=5 m=2
